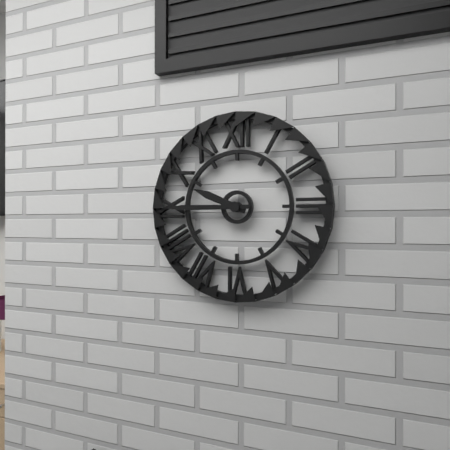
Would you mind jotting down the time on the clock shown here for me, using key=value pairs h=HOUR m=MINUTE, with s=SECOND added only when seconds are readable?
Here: h=9 m=45
